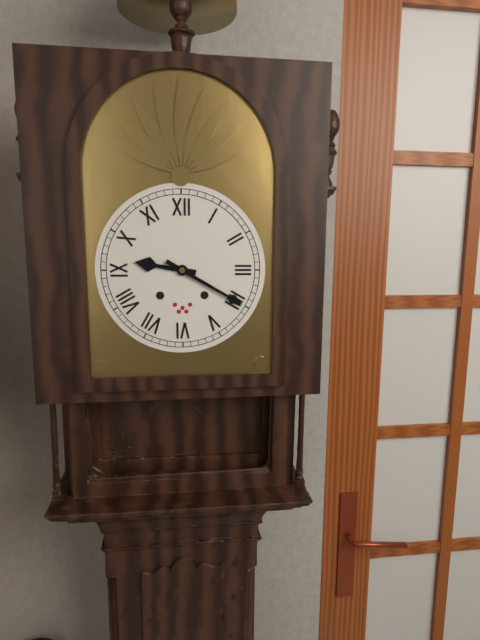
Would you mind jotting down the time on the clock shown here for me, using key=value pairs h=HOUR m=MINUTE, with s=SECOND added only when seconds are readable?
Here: h=9 m=20
